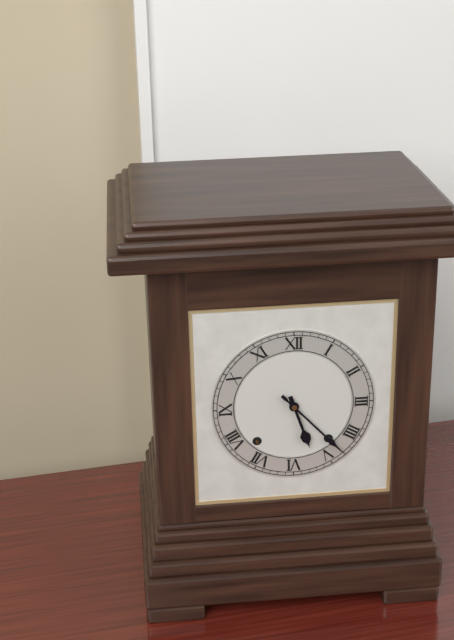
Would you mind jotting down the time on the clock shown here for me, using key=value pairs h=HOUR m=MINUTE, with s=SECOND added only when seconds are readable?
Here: h=5 m=23
